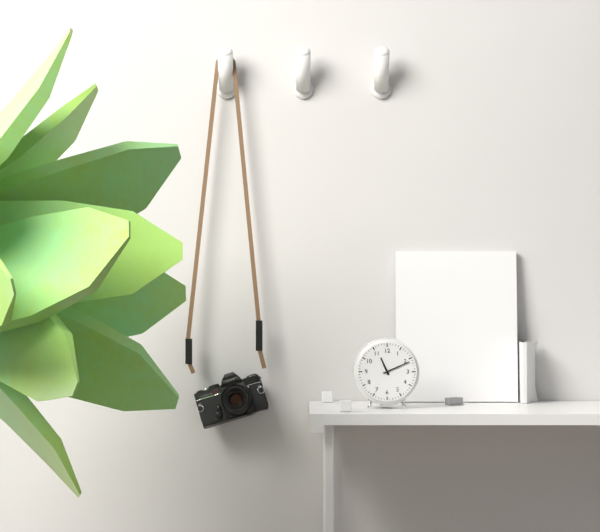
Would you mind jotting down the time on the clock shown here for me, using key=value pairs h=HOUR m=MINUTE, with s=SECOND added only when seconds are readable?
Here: h=11 m=11
